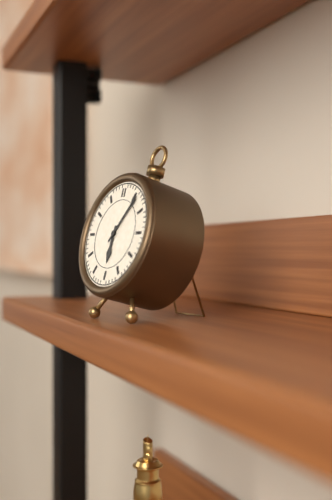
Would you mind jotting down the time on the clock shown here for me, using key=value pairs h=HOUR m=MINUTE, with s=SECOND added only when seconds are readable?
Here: h=6 m=6
